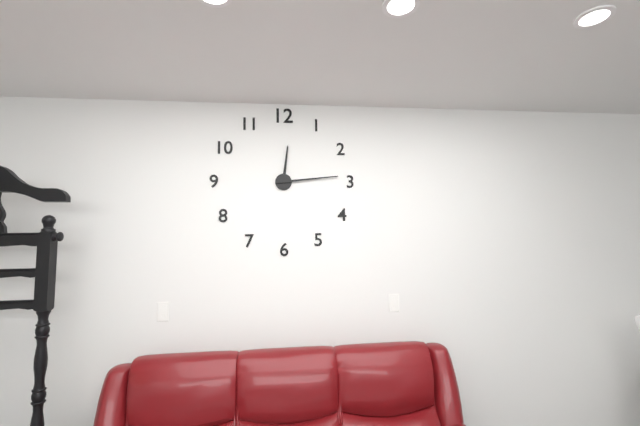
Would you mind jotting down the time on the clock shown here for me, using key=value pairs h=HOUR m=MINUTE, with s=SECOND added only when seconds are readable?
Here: h=12 m=14
